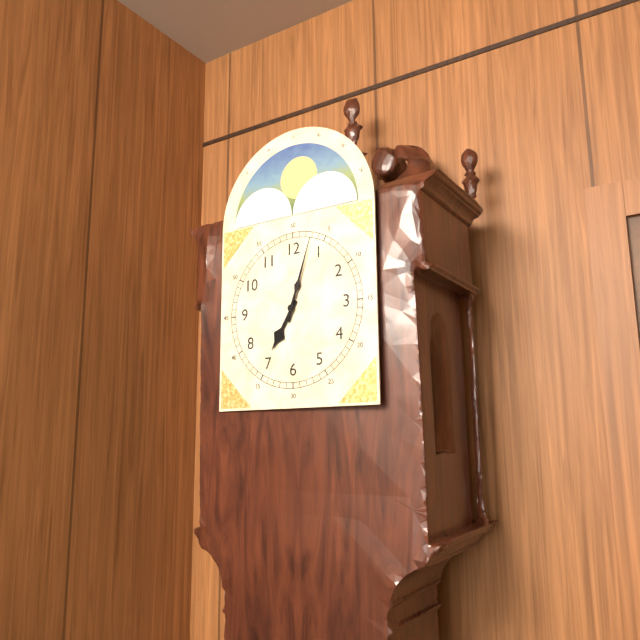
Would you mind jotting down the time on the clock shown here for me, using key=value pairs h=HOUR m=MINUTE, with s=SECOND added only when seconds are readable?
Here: h=7 m=3
